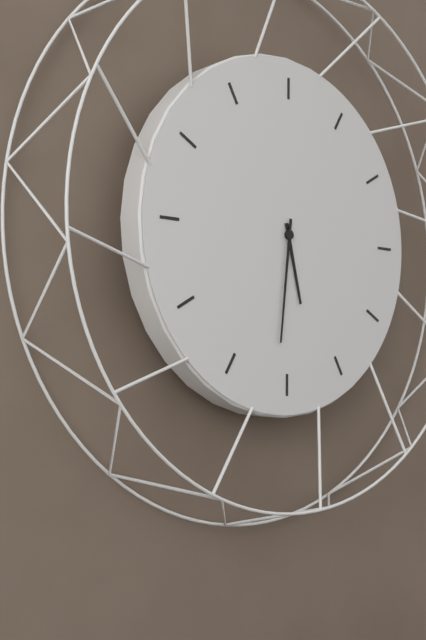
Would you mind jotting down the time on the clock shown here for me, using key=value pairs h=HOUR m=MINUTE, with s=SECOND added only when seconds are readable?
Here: h=5 m=31
